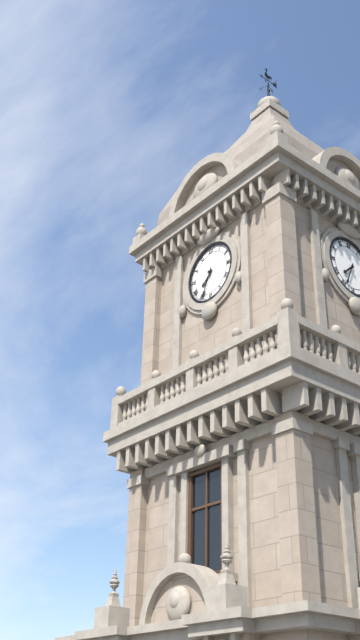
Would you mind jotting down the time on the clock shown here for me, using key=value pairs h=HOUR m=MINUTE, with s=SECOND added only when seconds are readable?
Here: h=7 m=34
